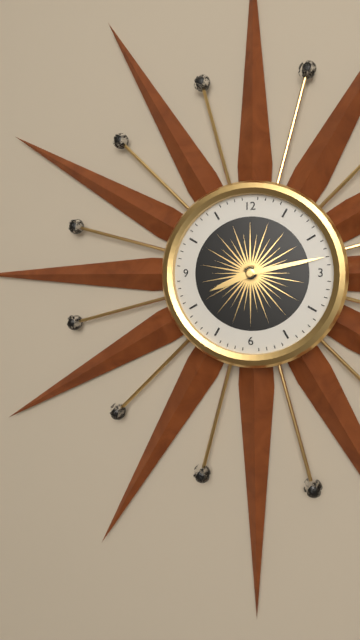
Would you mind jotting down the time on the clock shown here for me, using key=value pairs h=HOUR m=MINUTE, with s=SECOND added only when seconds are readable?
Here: h=8 m=13
